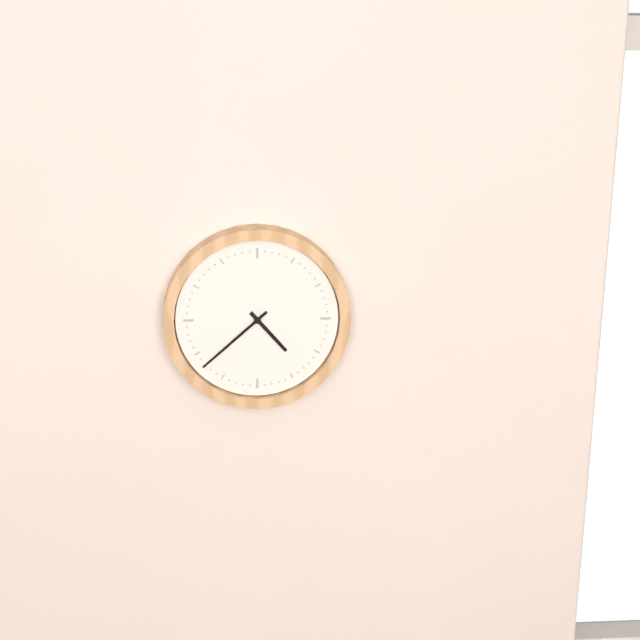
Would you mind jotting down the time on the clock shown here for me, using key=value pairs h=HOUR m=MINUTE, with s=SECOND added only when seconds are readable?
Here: h=4 m=38
